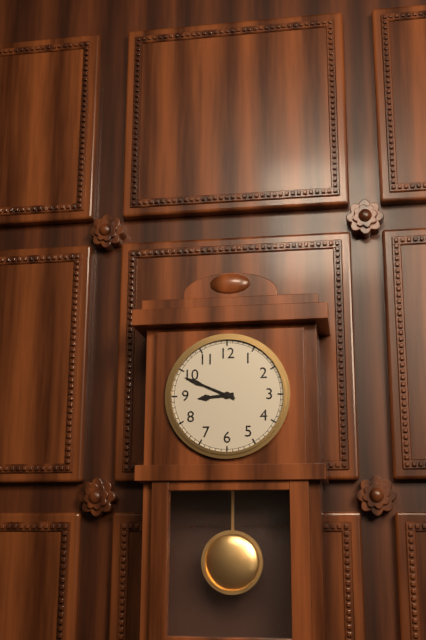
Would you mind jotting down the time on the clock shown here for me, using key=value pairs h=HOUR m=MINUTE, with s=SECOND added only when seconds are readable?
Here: h=8 m=49
